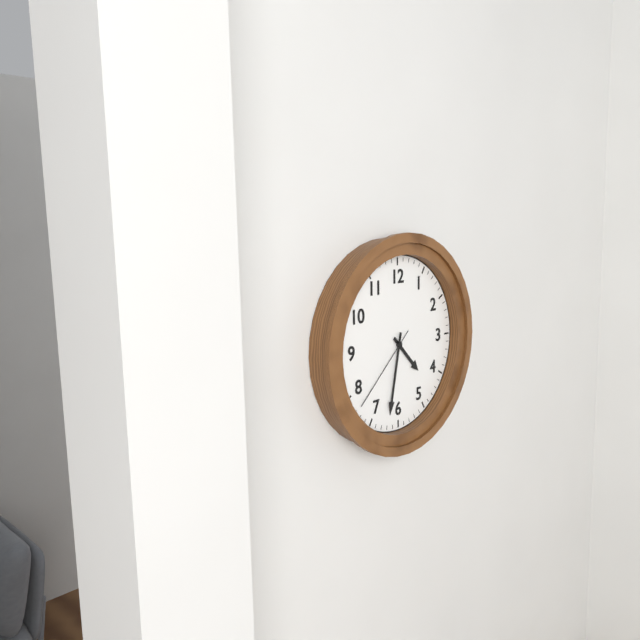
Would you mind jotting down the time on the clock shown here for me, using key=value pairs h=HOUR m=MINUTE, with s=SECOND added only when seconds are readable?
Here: h=4 m=32 s=38
